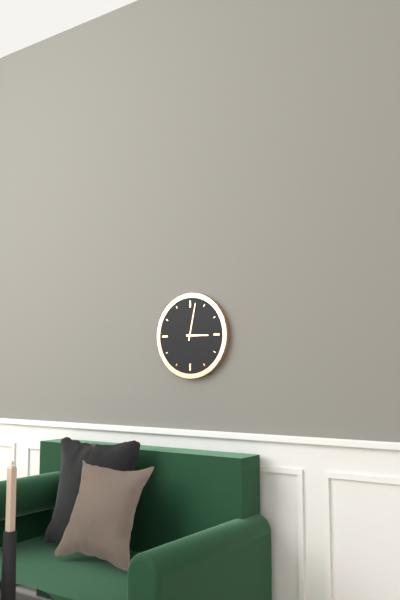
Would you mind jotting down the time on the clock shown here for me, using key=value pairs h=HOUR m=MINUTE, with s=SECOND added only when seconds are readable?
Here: h=3 m=2
